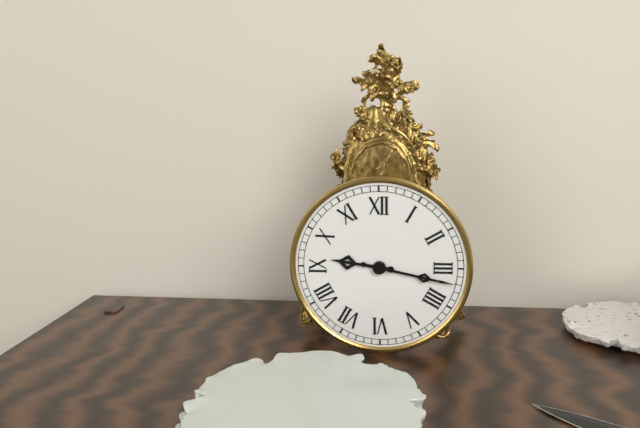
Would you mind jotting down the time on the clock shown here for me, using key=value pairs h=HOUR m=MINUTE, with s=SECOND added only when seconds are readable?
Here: h=9 m=17
